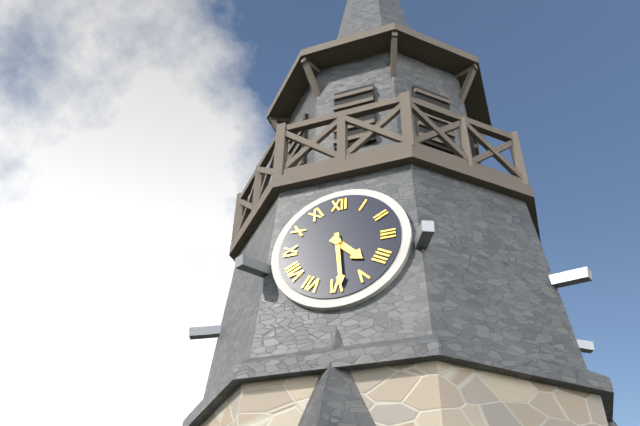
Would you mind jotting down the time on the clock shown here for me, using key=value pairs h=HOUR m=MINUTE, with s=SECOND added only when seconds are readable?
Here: h=4 m=29
